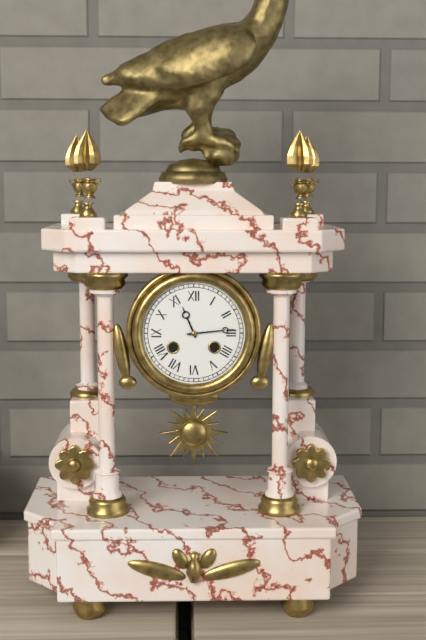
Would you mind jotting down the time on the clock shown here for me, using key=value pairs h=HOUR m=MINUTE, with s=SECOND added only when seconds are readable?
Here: h=11 m=14
